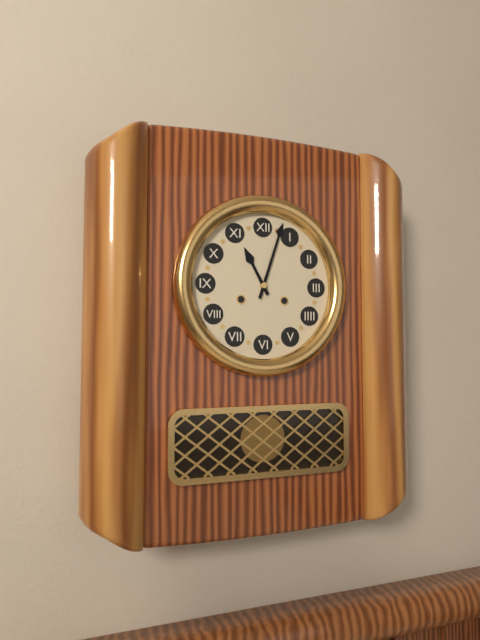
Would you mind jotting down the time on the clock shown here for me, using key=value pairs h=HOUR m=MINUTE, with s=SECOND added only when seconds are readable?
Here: h=11 m=3
